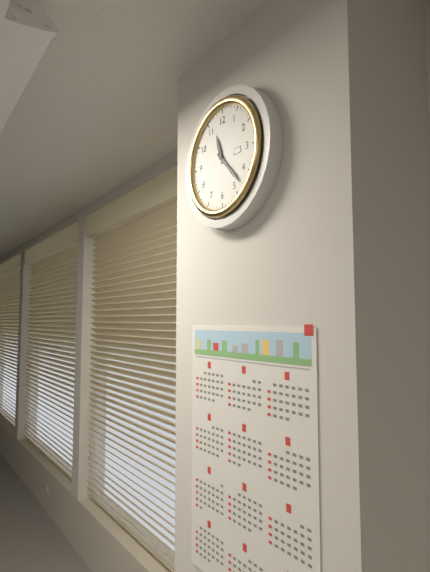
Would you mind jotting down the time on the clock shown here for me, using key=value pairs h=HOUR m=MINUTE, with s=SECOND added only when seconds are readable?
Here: h=11 m=23
